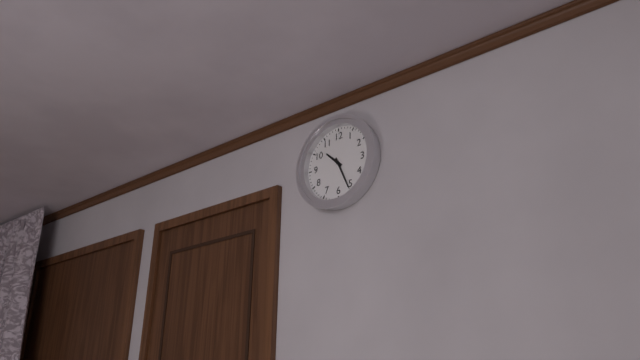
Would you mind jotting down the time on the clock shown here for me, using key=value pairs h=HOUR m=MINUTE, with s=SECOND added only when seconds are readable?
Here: h=10 m=26
